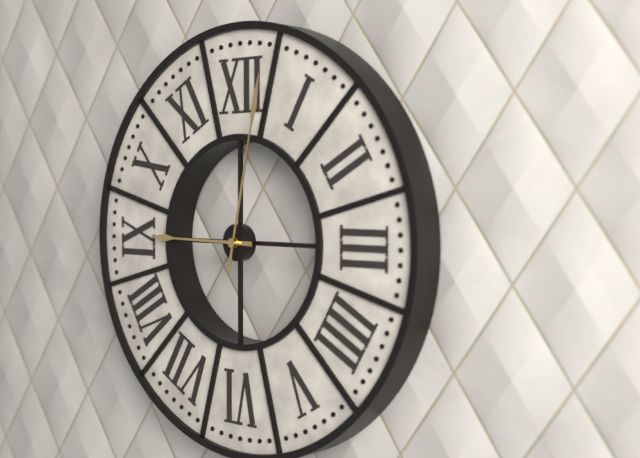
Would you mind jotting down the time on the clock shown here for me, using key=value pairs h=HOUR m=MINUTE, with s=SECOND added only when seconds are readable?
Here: h=9 m=2
